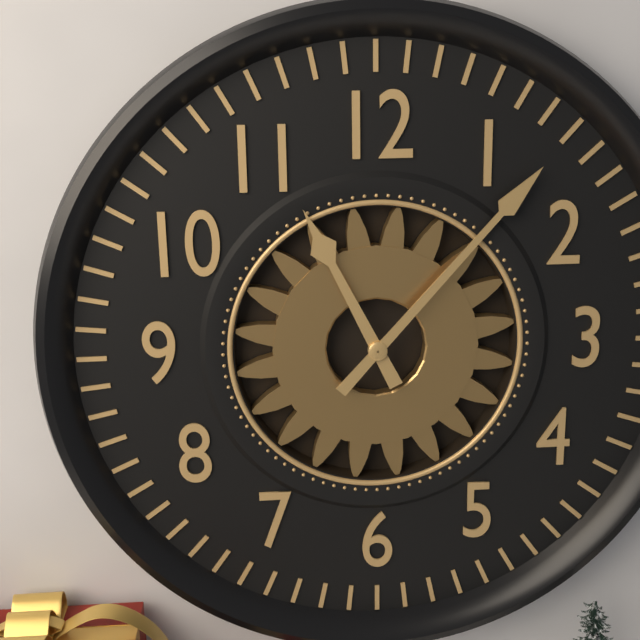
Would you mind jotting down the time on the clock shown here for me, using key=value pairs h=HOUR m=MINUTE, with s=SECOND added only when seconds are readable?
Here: h=11 m=7
